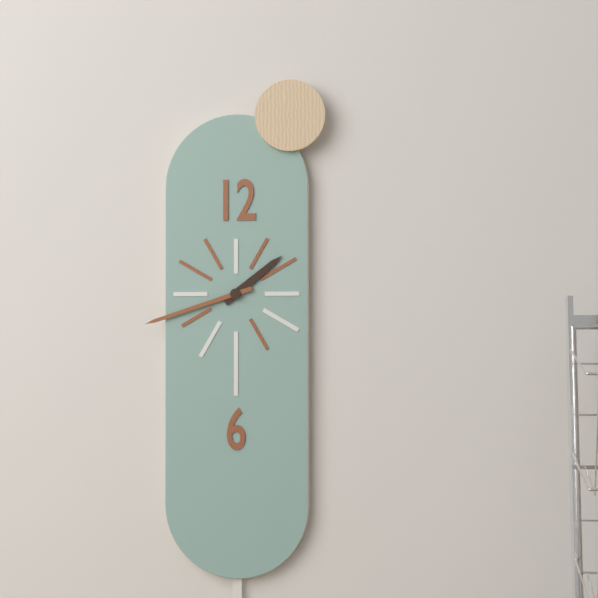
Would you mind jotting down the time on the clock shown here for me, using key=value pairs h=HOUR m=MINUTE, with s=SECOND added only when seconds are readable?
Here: h=1 m=42
